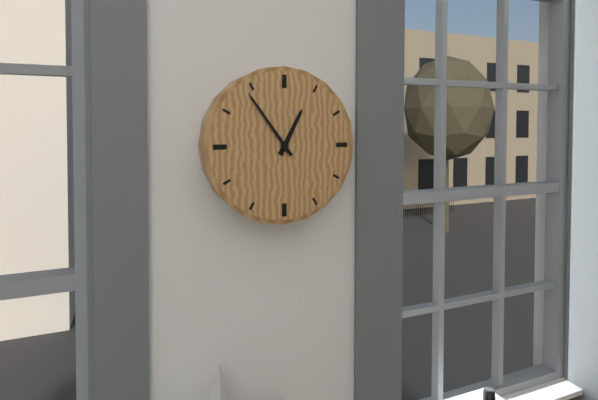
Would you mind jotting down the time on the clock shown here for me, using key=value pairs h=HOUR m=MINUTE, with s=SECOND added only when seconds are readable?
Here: h=12 m=54
